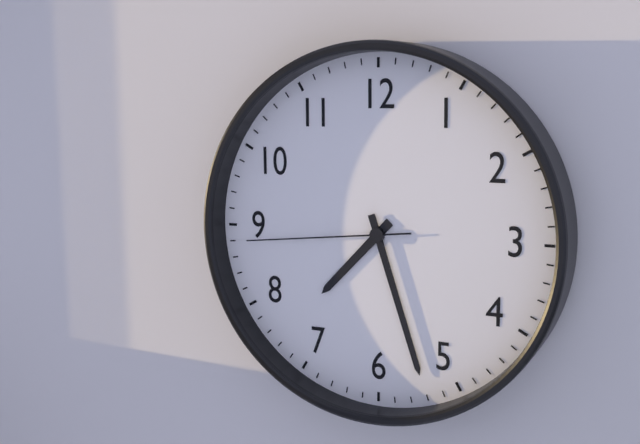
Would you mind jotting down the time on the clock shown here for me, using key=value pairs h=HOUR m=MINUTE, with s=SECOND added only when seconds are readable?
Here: h=7 m=27 s=44
